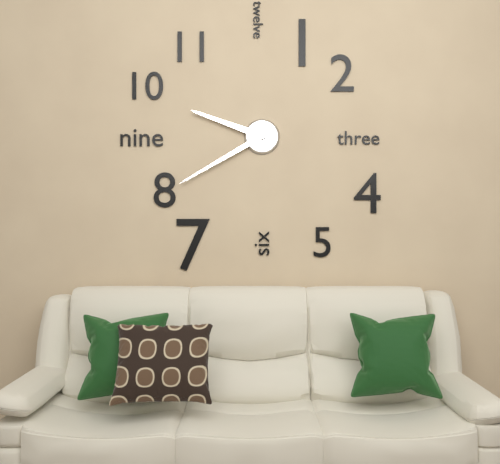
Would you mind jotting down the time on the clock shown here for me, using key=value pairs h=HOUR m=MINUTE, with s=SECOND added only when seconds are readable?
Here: h=9 m=40
